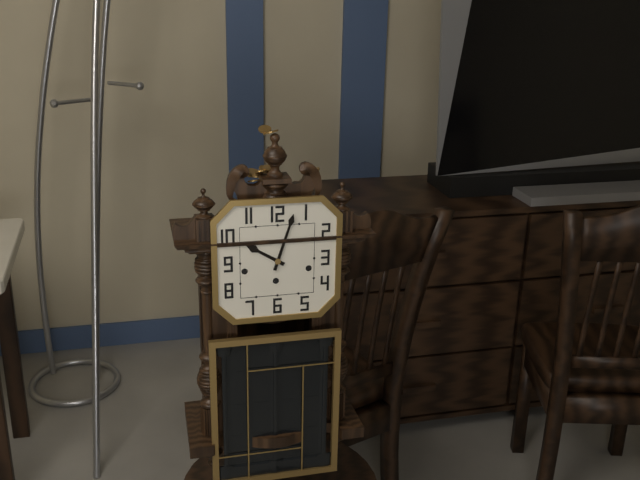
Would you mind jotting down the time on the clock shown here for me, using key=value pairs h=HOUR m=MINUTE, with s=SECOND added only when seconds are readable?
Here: h=10 m=3
